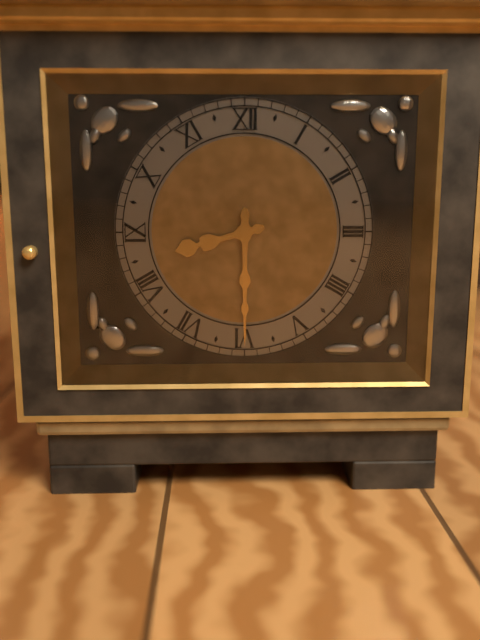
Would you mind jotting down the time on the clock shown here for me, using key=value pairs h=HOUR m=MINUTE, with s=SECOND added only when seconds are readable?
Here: h=8 m=30
